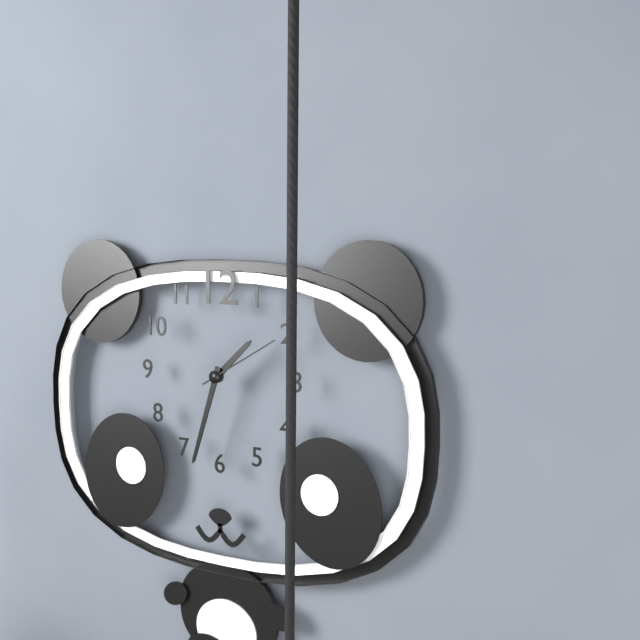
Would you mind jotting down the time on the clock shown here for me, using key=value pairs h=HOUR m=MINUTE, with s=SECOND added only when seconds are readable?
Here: h=1 m=33 s=10
